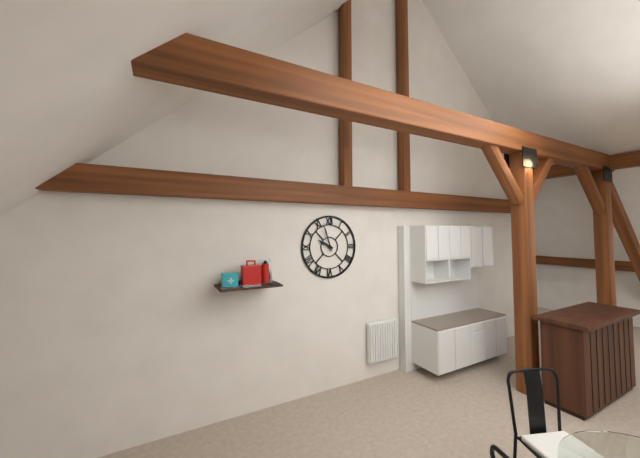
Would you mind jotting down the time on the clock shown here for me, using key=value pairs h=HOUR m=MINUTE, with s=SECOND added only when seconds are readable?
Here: h=9 m=57
